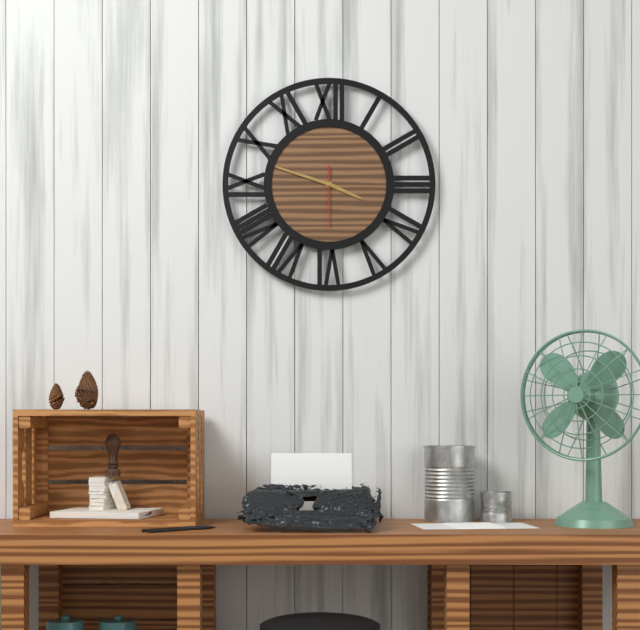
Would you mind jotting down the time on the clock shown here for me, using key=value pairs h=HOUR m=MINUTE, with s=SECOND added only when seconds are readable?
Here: h=3 m=48 s=30
